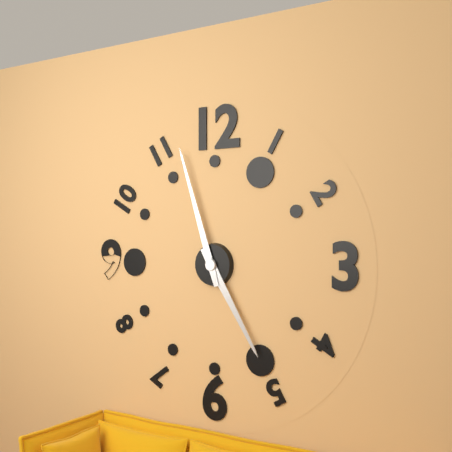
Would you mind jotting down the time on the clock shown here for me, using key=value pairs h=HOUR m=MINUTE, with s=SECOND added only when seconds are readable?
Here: h=4 m=57
